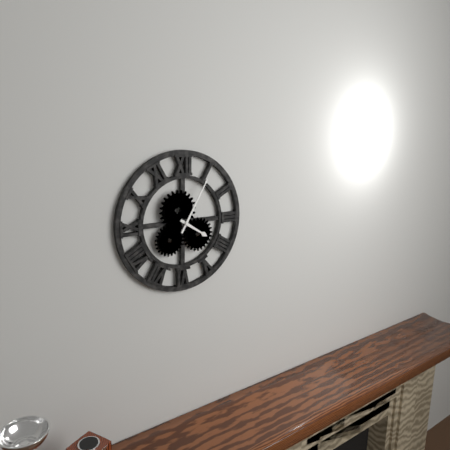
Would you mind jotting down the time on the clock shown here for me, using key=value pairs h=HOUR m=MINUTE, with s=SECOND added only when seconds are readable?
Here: h=4 m=5
